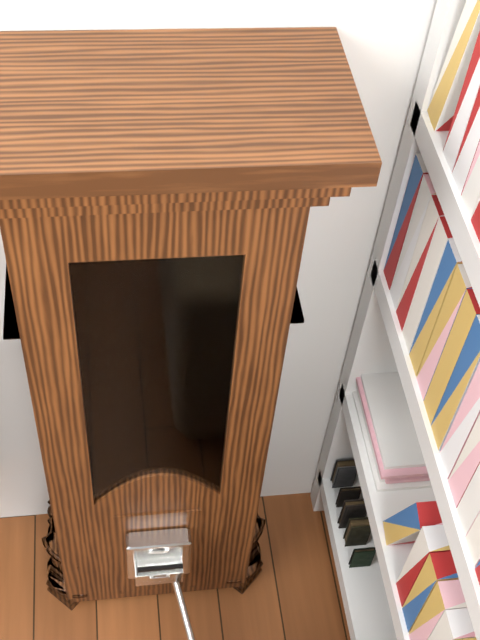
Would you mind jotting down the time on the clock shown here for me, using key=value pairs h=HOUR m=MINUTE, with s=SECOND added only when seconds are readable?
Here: h=2 m=4
